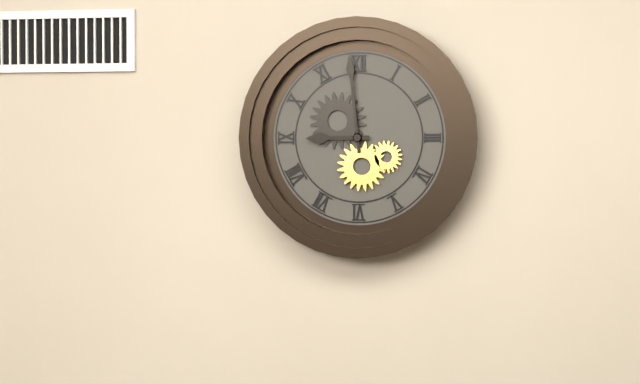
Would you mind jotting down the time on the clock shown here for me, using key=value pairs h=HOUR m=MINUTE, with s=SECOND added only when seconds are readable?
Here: h=8 m=59
